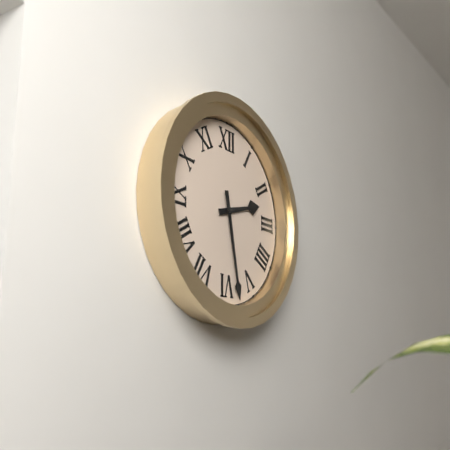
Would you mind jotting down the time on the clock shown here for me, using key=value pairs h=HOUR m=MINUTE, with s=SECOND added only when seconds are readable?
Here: h=2 m=28
